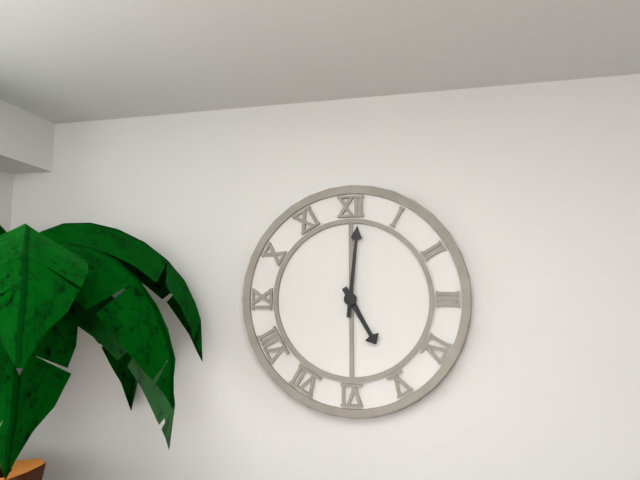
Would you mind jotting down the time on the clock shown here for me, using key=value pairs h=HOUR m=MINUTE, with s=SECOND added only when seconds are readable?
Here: h=5 m=1
